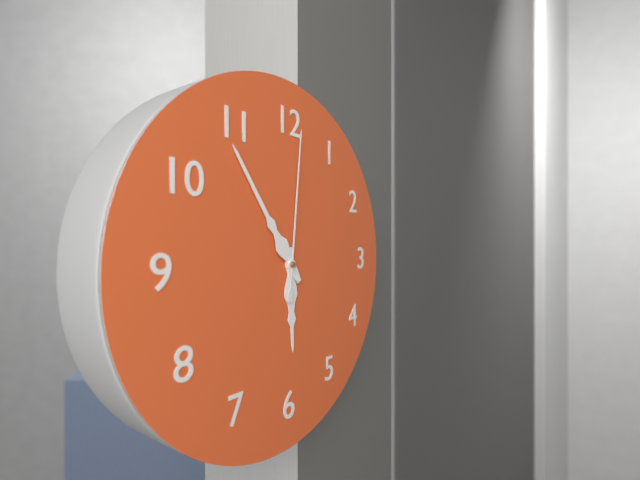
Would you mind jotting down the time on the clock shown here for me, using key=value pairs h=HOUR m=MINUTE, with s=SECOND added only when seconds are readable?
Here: h=5 m=54 s=1
